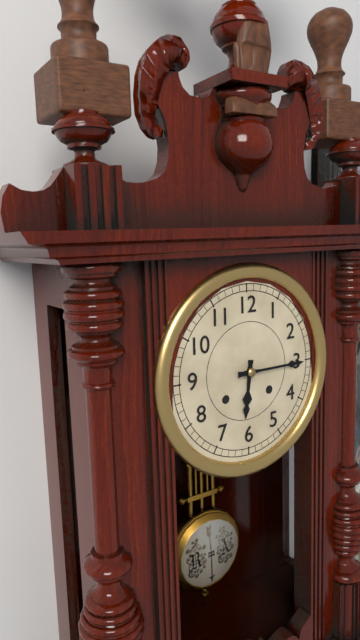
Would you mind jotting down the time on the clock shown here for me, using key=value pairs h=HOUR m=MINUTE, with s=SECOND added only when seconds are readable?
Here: h=6 m=15
